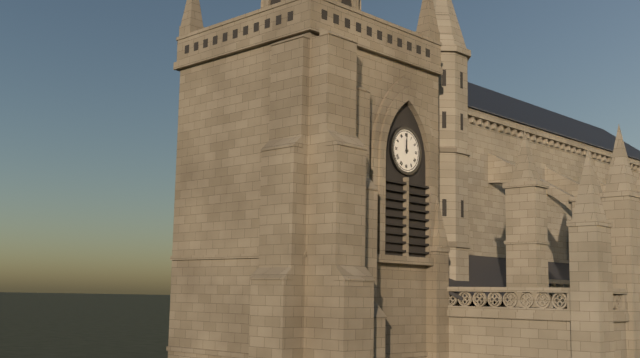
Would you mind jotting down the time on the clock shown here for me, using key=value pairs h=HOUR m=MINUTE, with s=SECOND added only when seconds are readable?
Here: h=12 m=0
